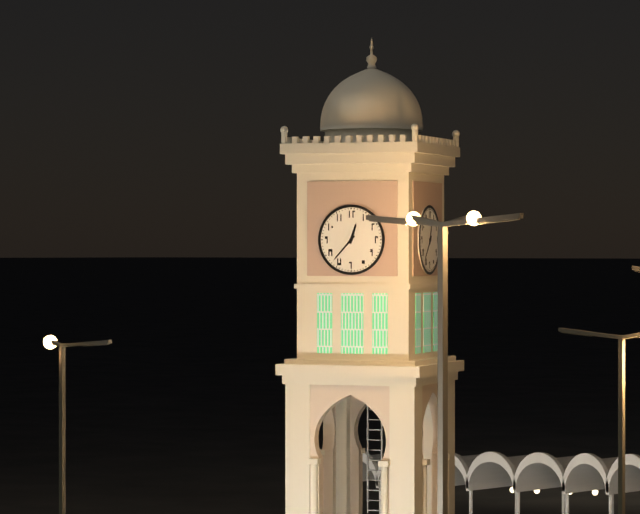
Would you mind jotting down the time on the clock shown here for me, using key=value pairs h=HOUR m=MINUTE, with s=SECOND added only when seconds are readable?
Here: h=12 m=37
